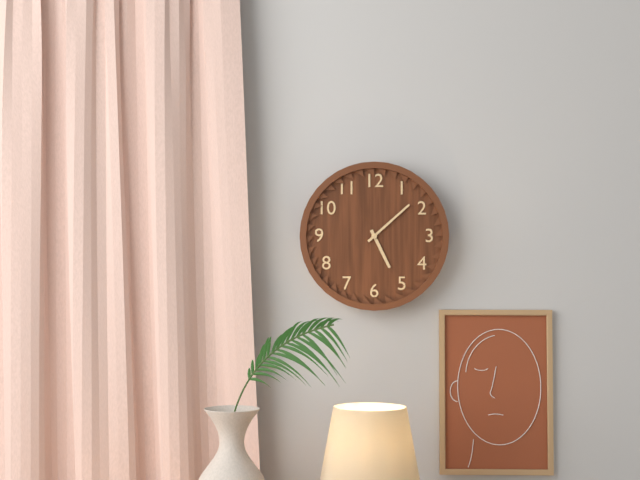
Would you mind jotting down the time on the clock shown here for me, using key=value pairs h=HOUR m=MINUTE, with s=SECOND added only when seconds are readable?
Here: h=5 m=8
